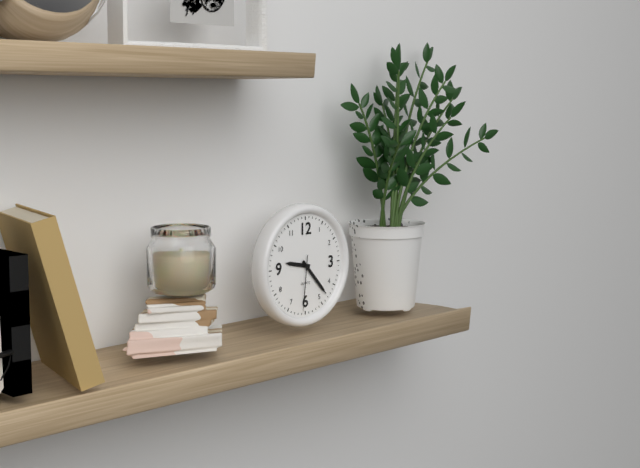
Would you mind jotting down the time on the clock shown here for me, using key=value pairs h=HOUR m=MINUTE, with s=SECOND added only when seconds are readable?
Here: h=9 m=23 s=31
